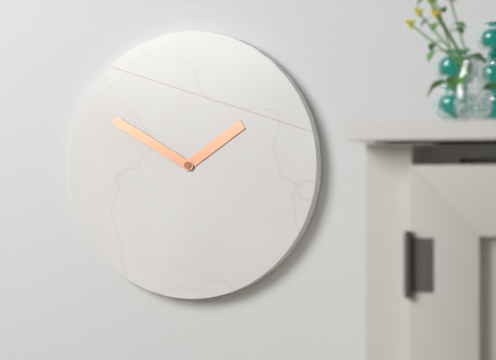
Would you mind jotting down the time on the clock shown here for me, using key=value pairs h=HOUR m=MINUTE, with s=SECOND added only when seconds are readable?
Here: h=1 m=50
